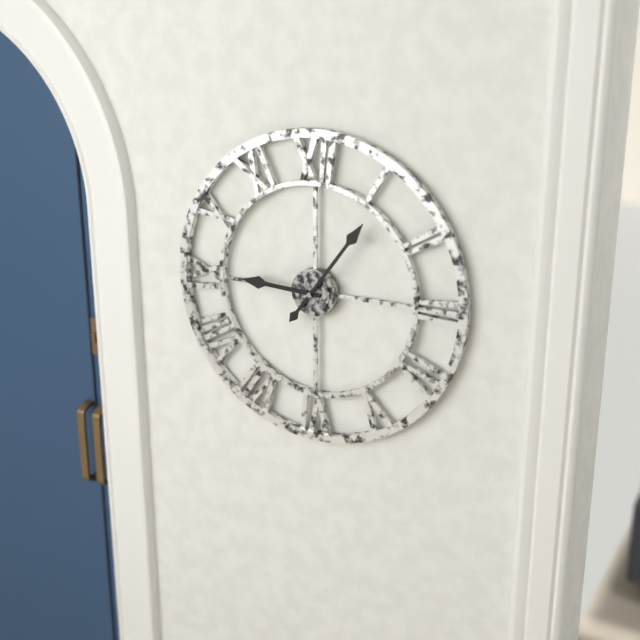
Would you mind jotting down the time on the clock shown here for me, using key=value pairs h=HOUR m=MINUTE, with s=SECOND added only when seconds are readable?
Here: h=9 m=6
